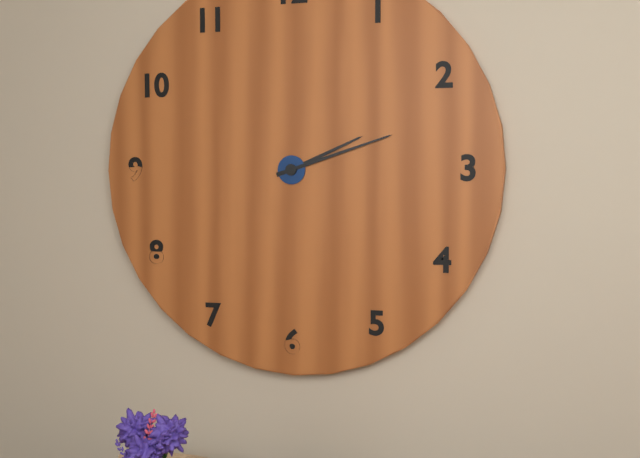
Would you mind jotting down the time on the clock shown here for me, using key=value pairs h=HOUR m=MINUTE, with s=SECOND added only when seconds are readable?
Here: h=2 m=12
